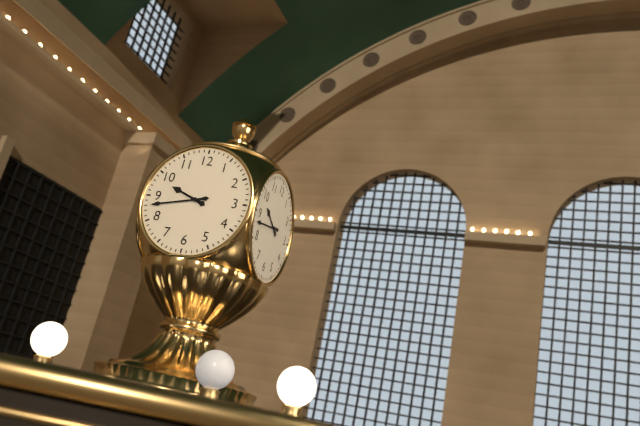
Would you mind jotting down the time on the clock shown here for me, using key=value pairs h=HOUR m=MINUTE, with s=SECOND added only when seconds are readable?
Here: h=9 m=43
